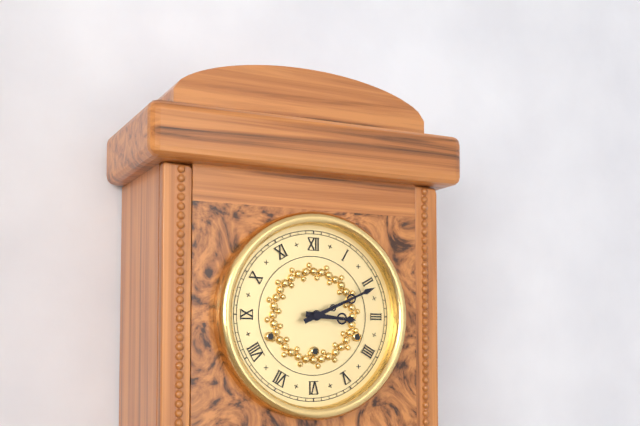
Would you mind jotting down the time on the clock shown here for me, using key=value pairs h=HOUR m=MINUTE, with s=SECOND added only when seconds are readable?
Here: h=3 m=11
